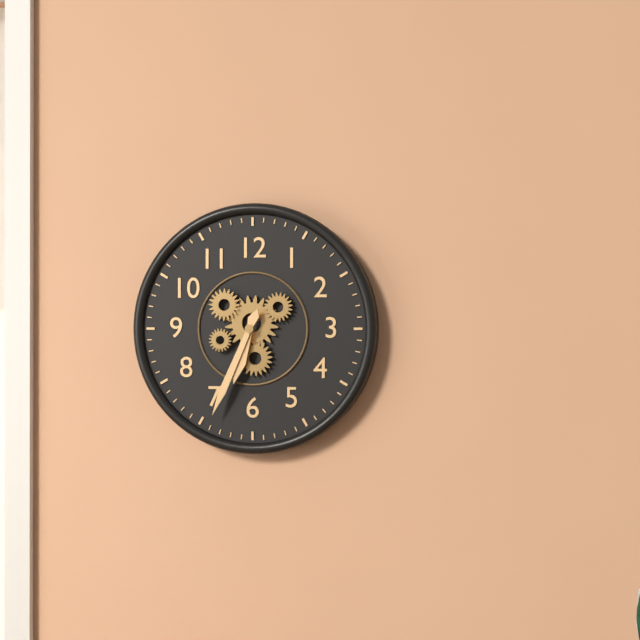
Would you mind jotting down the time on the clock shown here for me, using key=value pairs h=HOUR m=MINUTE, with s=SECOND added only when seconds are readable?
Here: h=6 m=34
